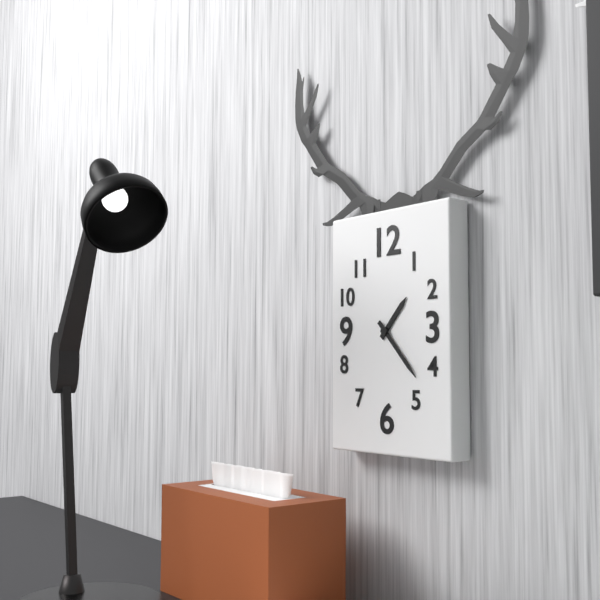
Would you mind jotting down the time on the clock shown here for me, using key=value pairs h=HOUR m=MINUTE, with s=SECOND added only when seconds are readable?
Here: h=1 m=23
